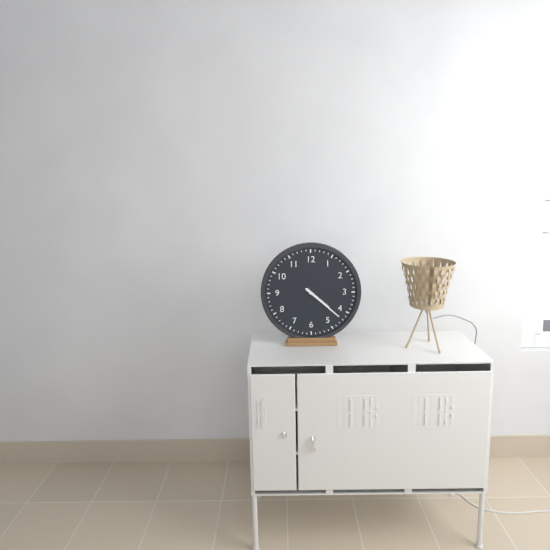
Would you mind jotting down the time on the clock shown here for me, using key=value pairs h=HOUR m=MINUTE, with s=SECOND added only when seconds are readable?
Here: h=4 m=22
